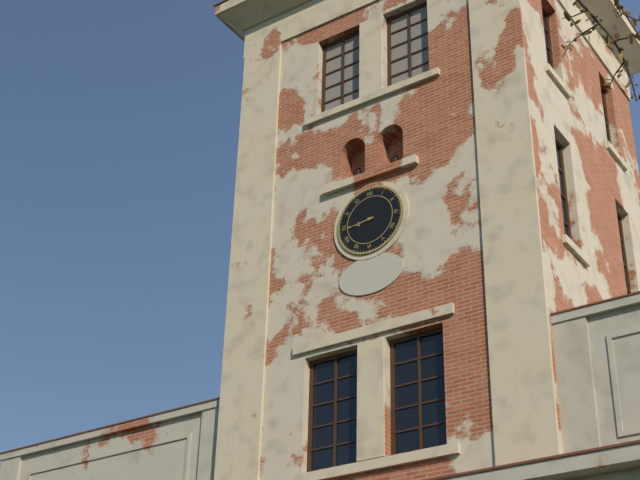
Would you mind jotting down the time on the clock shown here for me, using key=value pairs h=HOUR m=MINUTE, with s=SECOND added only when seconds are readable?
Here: h=8 m=44
